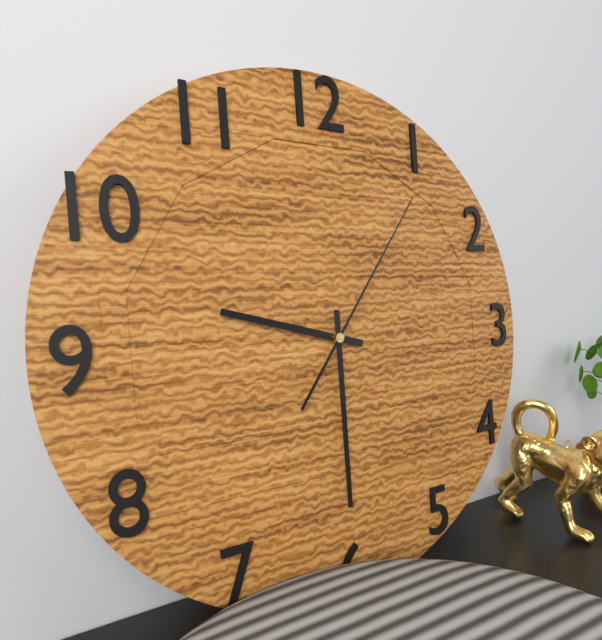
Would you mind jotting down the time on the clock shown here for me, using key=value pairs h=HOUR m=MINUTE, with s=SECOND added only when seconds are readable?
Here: h=9 m=30 s=6
